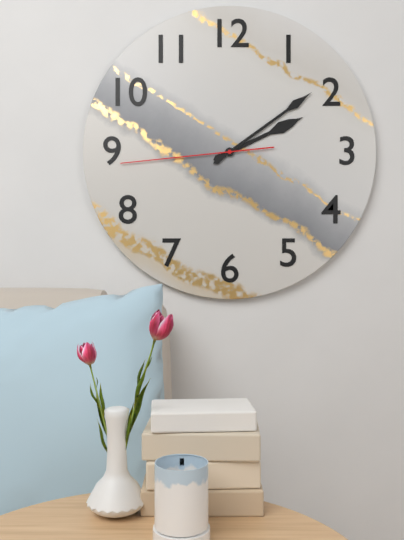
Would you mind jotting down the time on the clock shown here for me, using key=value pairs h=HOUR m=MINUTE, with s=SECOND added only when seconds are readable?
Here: h=2 m=9 s=44
